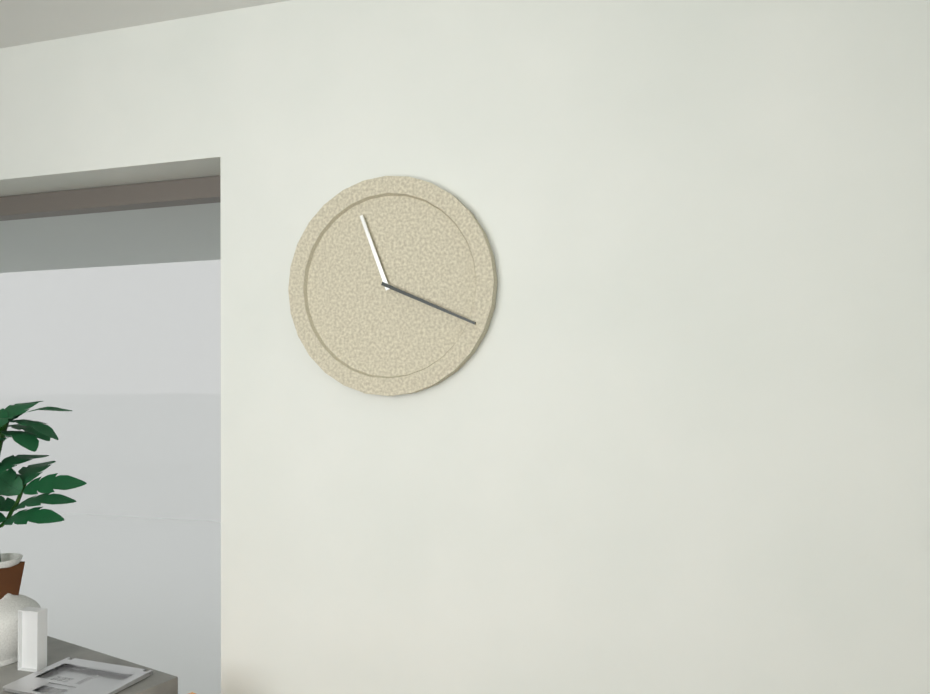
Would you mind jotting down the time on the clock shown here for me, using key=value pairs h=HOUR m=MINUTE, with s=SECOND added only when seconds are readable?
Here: h=11 m=19
